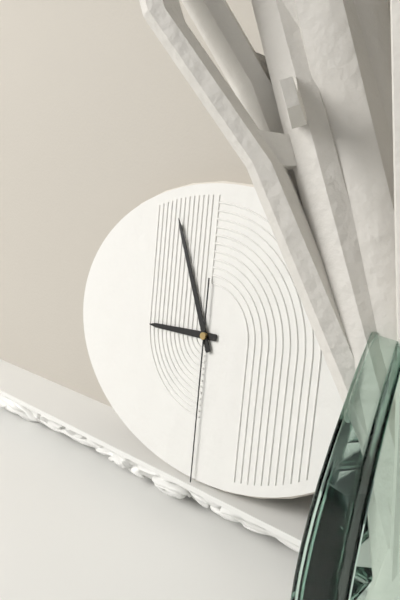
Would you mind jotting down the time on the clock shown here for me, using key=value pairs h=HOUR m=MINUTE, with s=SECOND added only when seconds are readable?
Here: h=8 m=56 s=30
